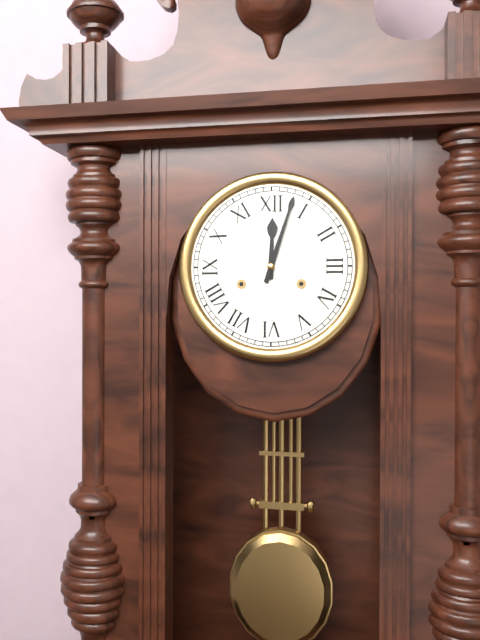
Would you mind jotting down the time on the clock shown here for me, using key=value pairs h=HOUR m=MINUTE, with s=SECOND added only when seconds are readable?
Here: h=12 m=3
